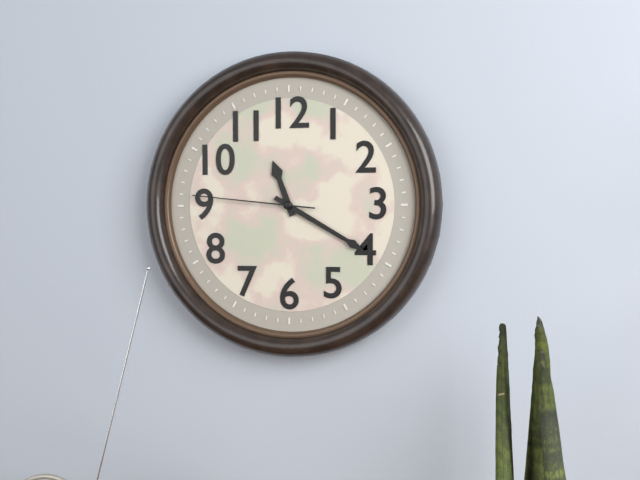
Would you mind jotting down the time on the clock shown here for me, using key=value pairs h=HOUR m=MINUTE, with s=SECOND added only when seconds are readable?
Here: h=11 m=20 s=46
